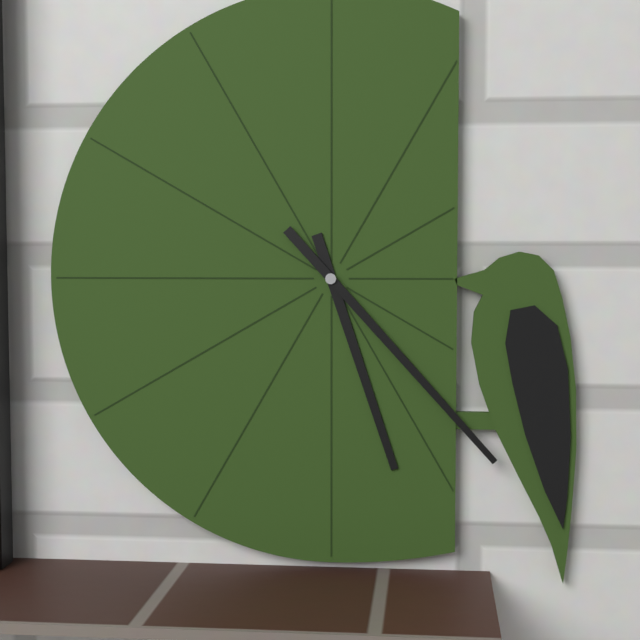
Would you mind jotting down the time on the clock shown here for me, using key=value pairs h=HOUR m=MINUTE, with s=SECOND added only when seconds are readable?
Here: h=5 m=23
